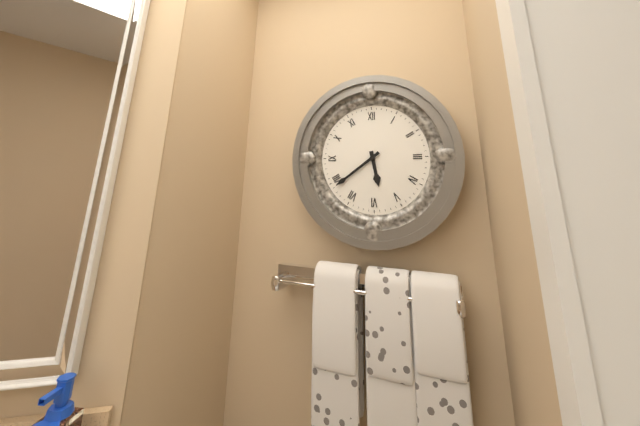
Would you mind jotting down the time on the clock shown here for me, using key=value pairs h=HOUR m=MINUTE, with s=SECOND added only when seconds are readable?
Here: h=5 m=39
